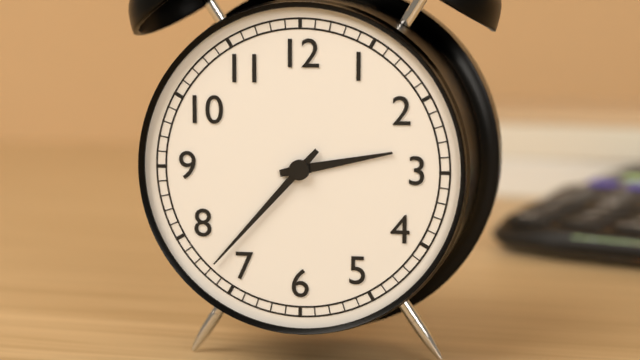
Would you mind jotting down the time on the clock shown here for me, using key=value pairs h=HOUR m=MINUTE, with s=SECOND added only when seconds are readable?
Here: h=2 m=37
